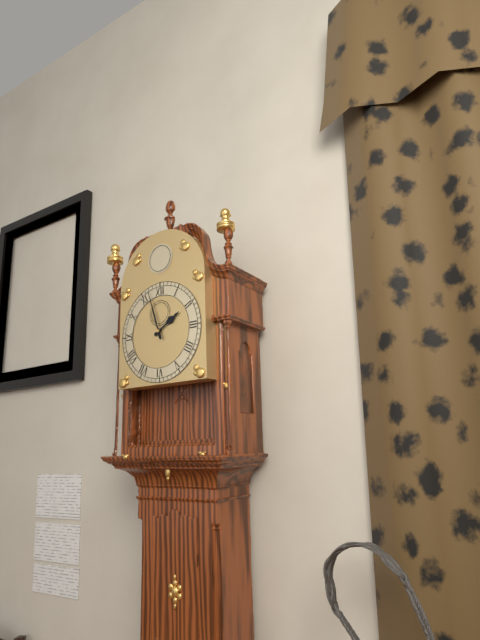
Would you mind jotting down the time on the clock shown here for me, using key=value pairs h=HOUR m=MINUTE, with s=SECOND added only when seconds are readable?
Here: h=1 m=57
